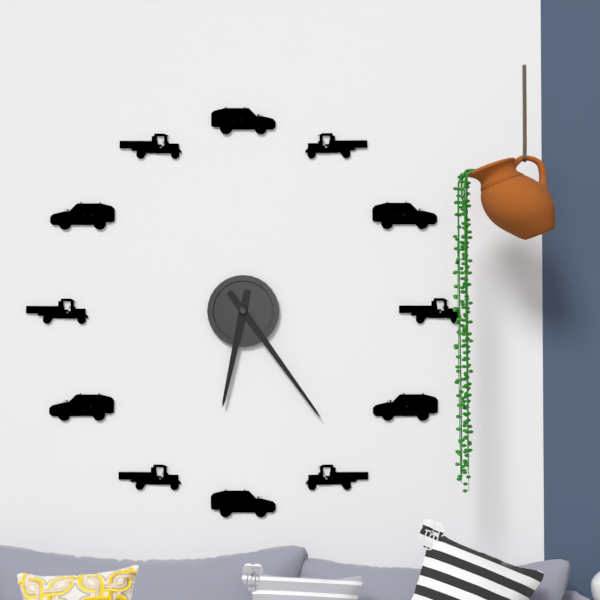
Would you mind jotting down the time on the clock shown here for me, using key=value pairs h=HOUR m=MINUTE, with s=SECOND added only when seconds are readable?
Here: h=6 m=24
